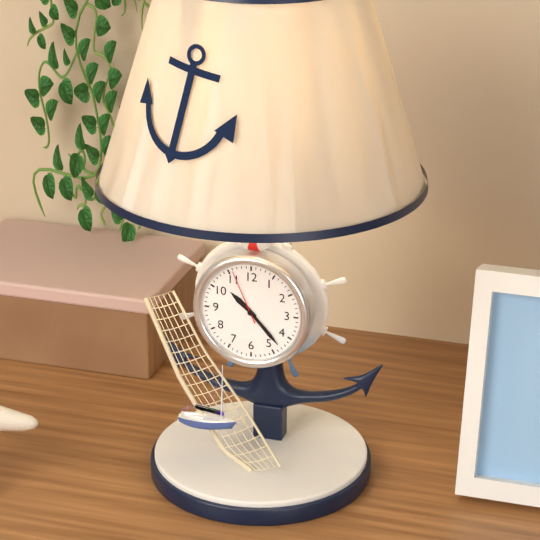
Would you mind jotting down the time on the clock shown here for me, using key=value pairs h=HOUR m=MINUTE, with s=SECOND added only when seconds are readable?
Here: h=10 m=23 s=56
